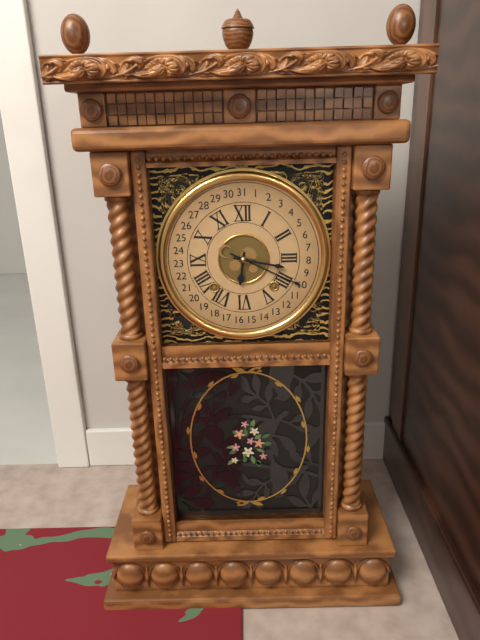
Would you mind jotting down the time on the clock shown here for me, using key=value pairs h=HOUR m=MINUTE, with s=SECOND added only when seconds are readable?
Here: h=6 m=17
